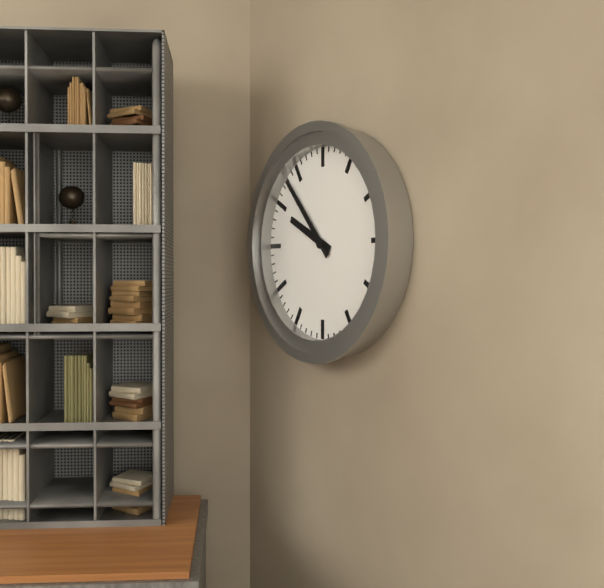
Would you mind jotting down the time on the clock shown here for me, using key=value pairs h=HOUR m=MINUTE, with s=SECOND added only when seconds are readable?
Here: h=9 m=53
